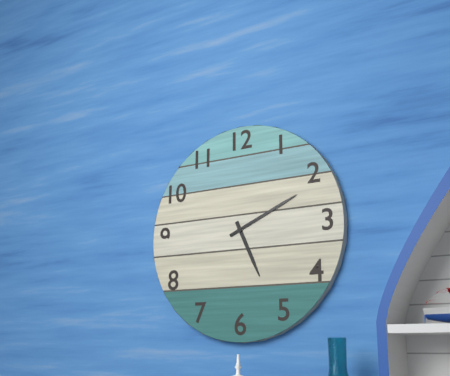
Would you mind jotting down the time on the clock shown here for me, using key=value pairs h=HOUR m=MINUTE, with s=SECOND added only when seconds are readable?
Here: h=5 m=11
